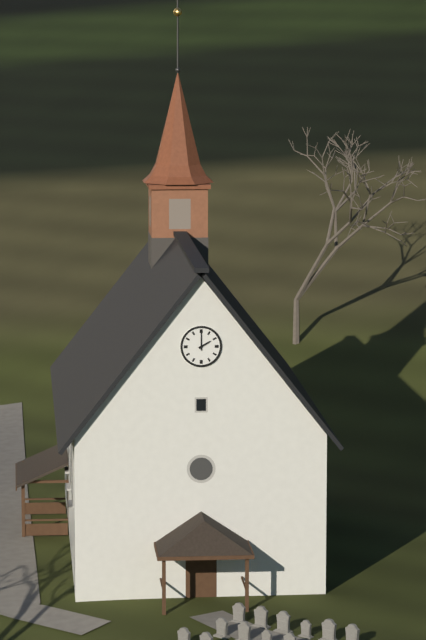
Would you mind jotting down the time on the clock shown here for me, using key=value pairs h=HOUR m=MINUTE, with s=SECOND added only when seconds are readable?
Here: h=2 m=0
